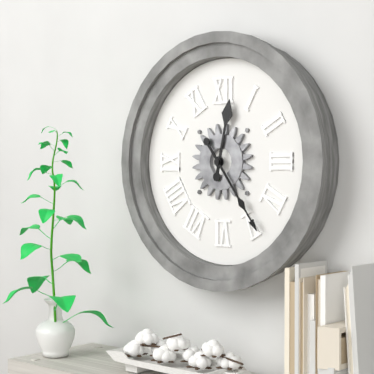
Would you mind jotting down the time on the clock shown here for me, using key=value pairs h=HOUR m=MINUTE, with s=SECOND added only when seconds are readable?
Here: h=12 m=24
